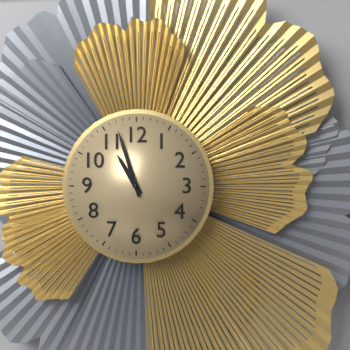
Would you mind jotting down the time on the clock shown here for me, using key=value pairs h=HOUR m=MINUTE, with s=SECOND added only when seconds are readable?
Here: h=10 m=57
